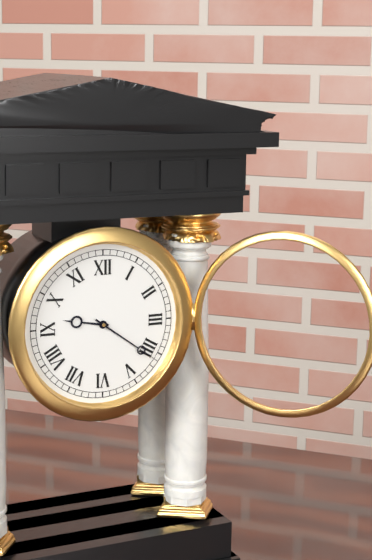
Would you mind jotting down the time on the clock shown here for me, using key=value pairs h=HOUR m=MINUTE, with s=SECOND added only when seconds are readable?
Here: h=9 m=21
